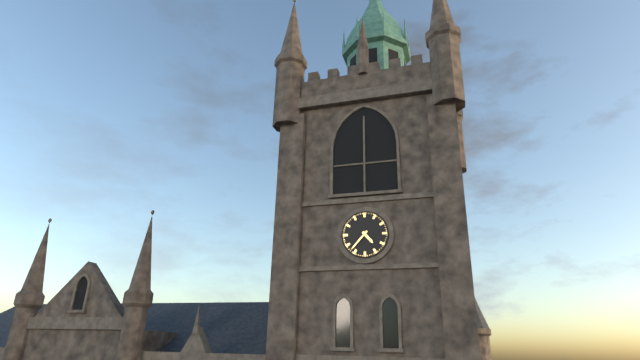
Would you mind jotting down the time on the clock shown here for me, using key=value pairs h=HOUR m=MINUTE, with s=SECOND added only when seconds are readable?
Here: h=4 m=37
